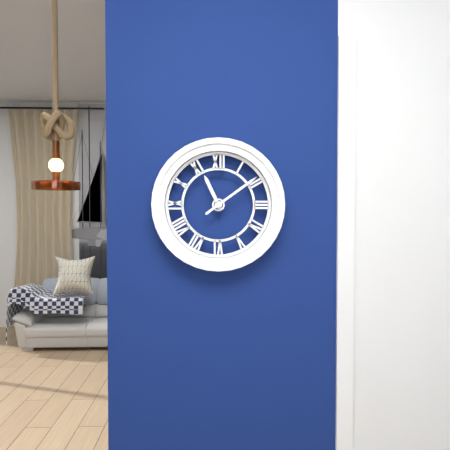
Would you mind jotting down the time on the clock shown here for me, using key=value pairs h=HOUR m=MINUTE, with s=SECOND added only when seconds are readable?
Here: h=11 m=9
